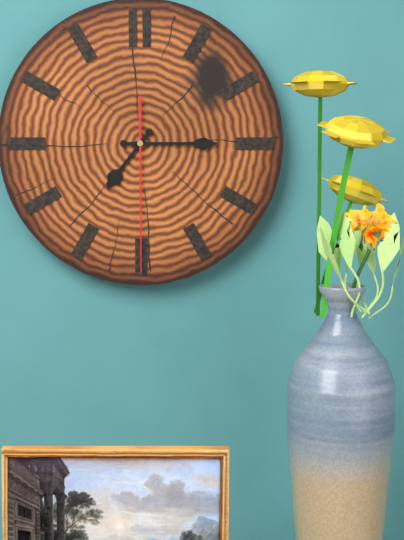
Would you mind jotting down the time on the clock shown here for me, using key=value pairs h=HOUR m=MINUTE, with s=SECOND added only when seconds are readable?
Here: h=7 m=15 s=30
